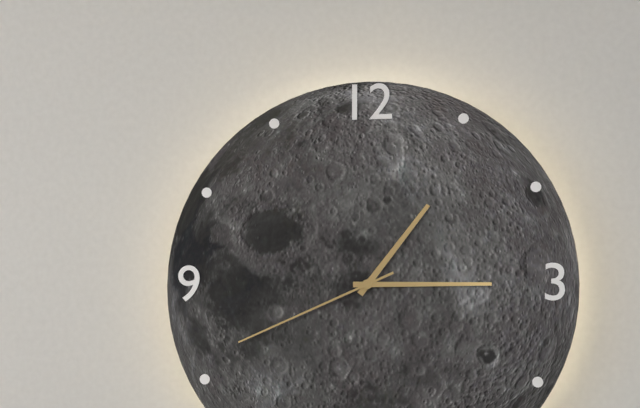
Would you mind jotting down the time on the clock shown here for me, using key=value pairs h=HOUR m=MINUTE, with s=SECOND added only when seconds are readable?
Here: h=1 m=15 s=41
